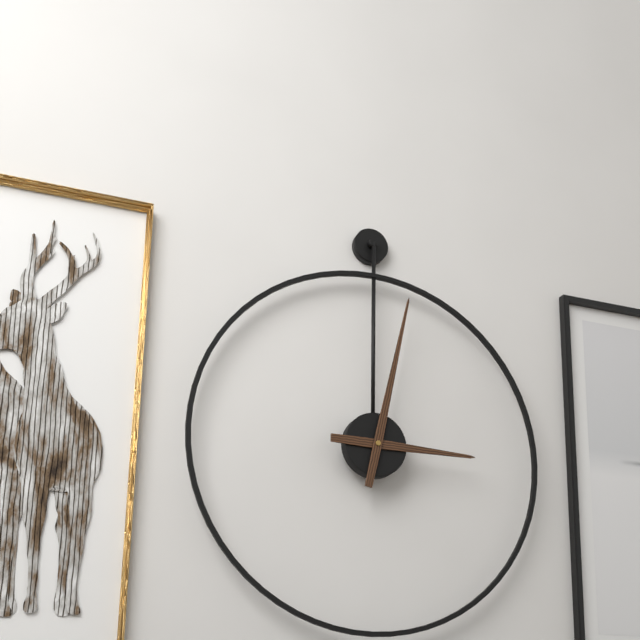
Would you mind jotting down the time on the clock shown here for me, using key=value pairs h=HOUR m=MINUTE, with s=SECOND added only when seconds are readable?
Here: h=3 m=2
